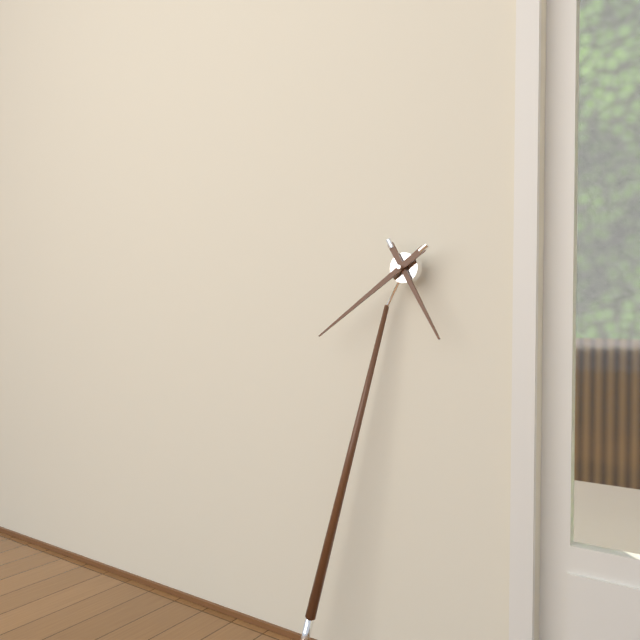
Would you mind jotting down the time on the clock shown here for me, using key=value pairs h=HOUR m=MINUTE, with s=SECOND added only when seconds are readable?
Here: h=4 m=37
